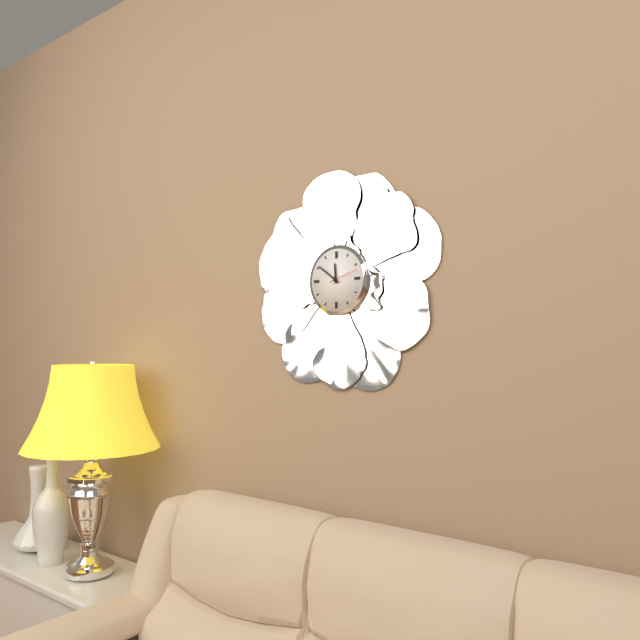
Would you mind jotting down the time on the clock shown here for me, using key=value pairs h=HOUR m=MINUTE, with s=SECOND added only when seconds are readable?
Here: h=11 m=51
